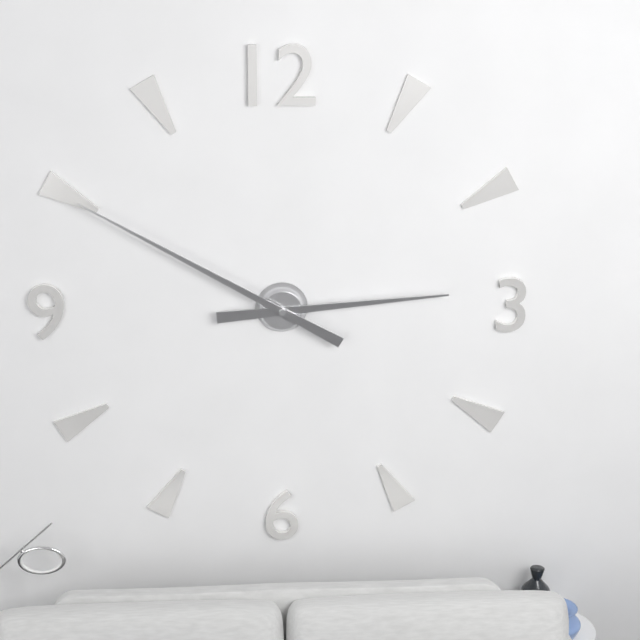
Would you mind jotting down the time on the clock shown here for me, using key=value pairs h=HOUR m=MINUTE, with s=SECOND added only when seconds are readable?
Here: h=2 m=50
